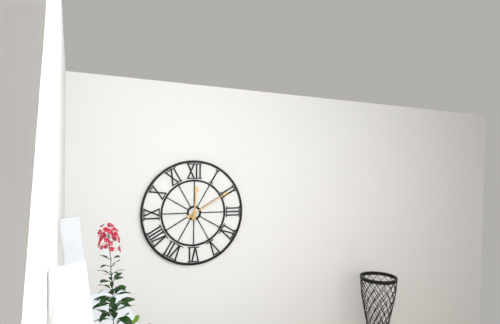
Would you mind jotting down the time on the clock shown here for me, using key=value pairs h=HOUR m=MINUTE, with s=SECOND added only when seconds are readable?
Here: h=12 m=10
